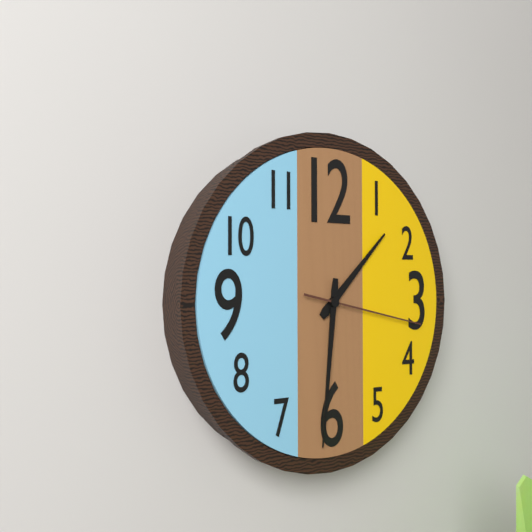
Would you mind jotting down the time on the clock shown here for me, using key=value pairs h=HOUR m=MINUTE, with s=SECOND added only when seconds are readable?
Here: h=1 m=31 s=17
